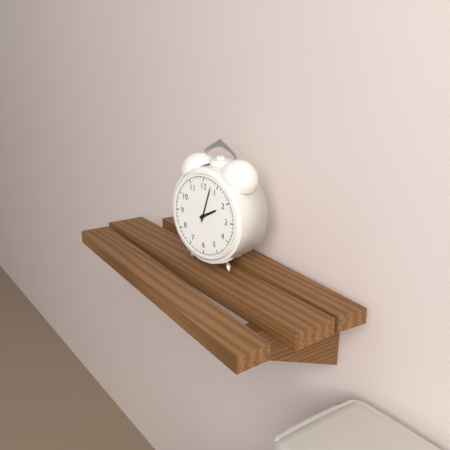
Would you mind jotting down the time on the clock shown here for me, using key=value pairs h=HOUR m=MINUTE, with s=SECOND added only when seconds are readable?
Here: h=2 m=3
